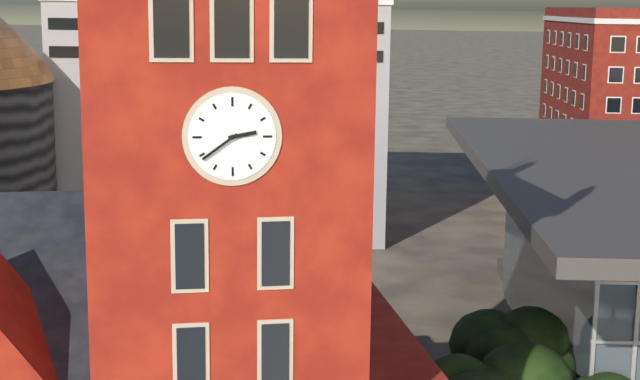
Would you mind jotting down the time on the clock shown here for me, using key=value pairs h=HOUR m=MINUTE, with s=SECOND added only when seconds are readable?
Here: h=2 m=39
